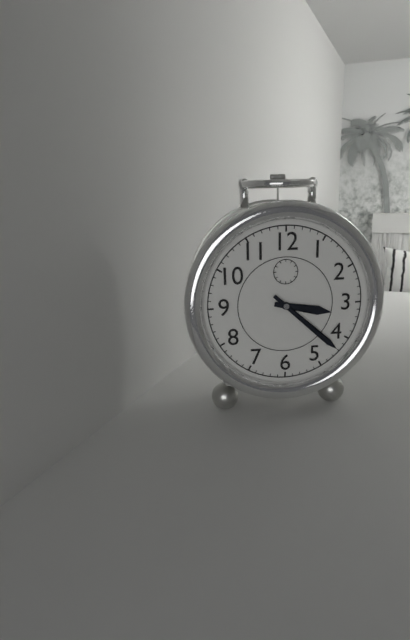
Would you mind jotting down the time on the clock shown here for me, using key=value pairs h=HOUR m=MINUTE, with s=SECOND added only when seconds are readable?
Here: h=3 m=22
